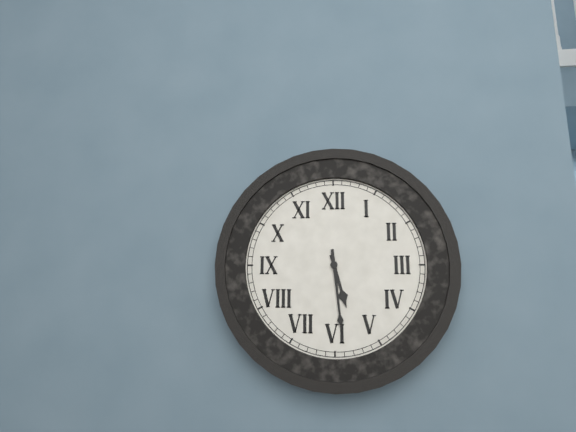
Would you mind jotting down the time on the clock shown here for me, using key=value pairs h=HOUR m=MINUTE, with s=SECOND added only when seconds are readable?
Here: h=5 m=29
